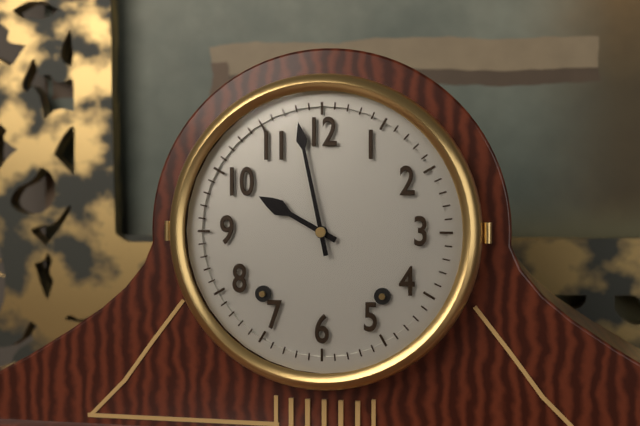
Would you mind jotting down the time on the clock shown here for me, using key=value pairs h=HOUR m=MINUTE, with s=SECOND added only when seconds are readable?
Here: h=9 m=58
